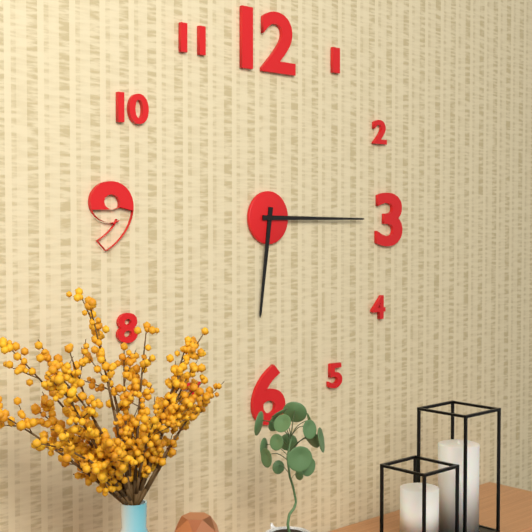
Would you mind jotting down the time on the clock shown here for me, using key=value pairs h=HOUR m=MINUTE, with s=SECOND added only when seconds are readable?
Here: h=6 m=15
